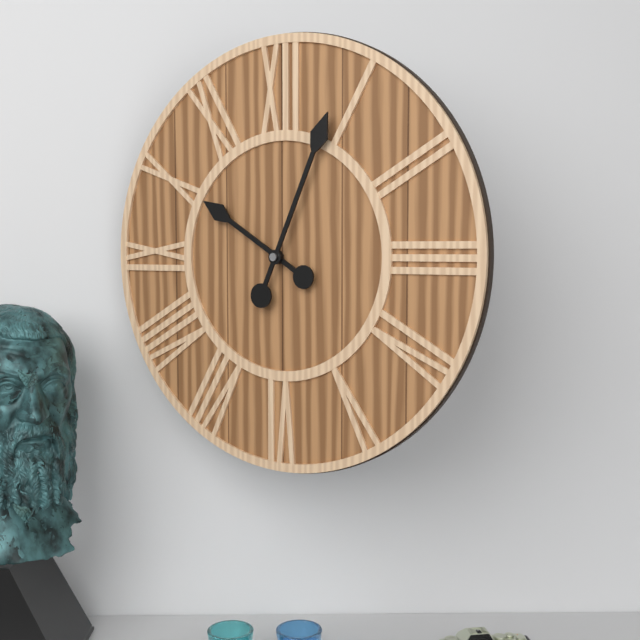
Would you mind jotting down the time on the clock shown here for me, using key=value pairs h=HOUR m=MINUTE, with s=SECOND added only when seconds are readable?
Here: h=10 m=4
